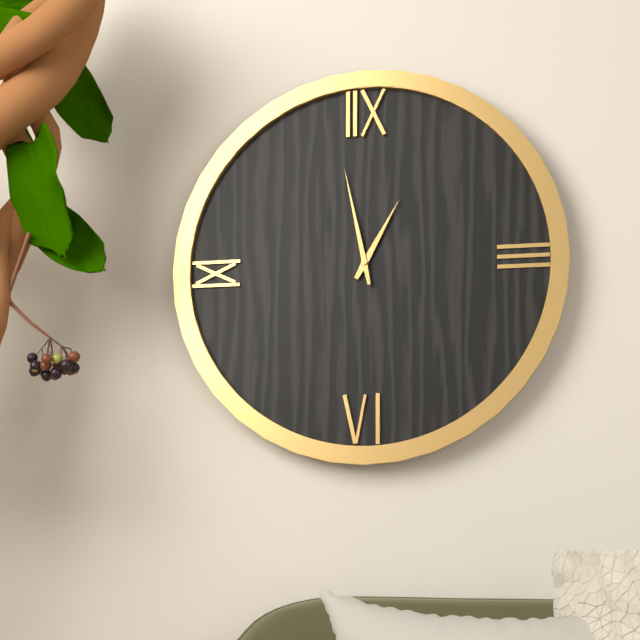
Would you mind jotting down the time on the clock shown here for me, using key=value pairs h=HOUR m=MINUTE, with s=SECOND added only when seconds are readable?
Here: h=12 m=58
